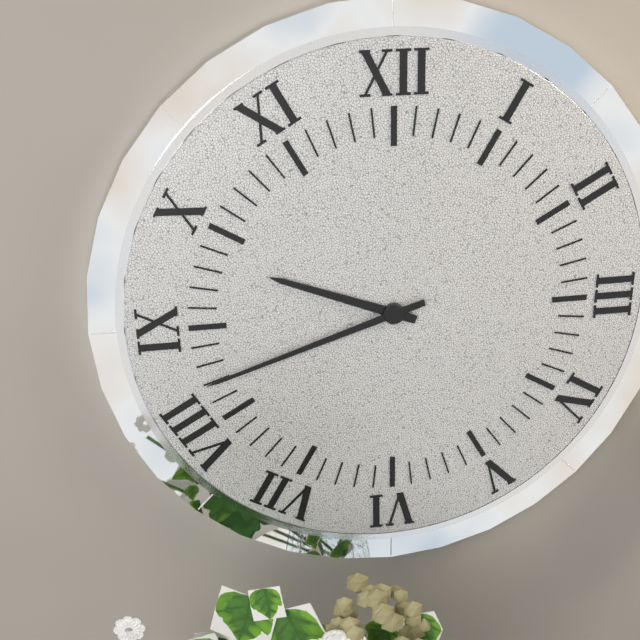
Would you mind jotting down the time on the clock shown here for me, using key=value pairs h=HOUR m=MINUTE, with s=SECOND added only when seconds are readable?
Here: h=9 m=42
